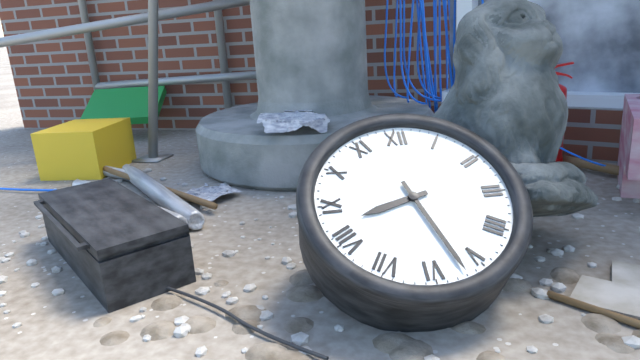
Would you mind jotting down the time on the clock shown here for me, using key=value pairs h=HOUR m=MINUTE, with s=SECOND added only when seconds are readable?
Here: h=8 m=27
